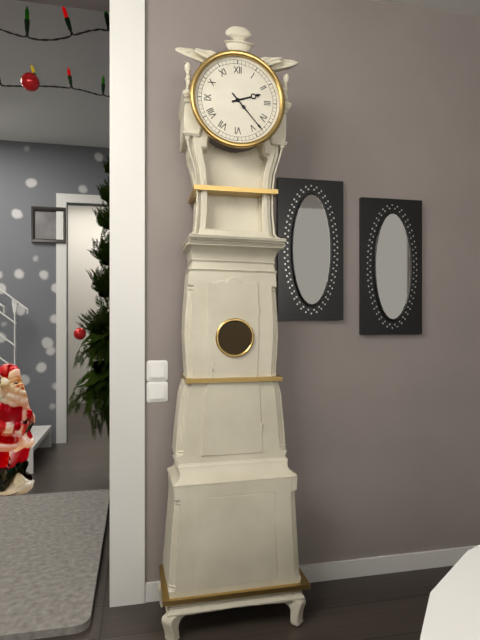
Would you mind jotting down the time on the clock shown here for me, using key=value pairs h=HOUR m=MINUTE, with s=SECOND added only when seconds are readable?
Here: h=2 m=23
